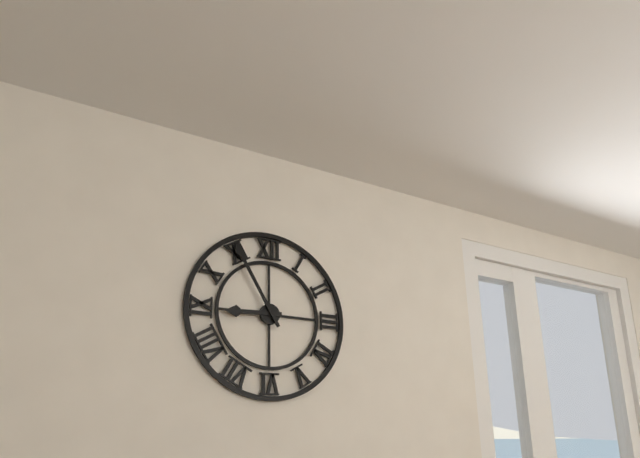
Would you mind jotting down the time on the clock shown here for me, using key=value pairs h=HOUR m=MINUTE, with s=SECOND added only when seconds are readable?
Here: h=8 m=55
